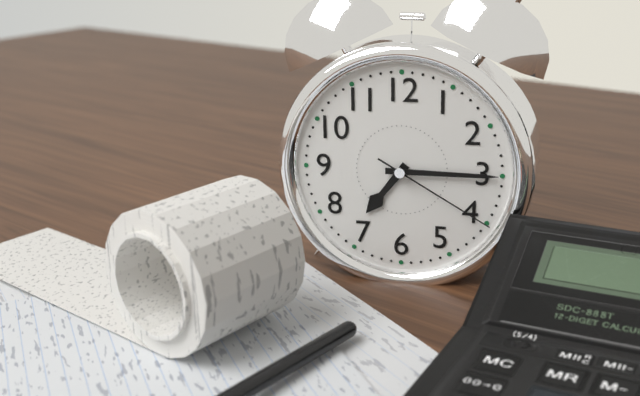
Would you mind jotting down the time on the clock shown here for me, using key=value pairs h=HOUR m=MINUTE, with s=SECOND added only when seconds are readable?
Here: h=7 m=15 s=20
